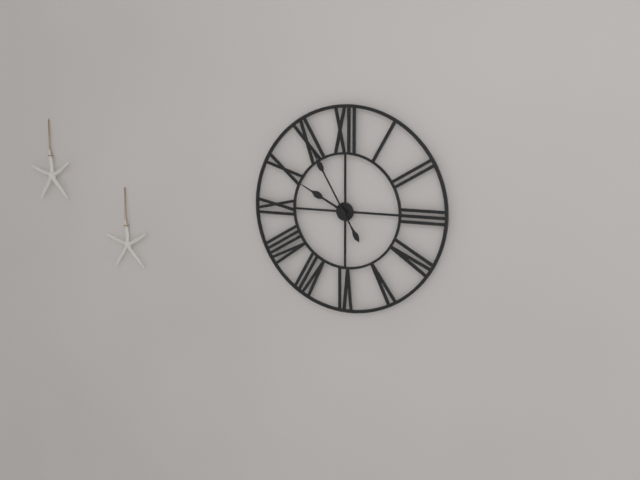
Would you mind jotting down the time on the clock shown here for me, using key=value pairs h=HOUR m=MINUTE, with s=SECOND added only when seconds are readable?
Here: h=9 m=55
